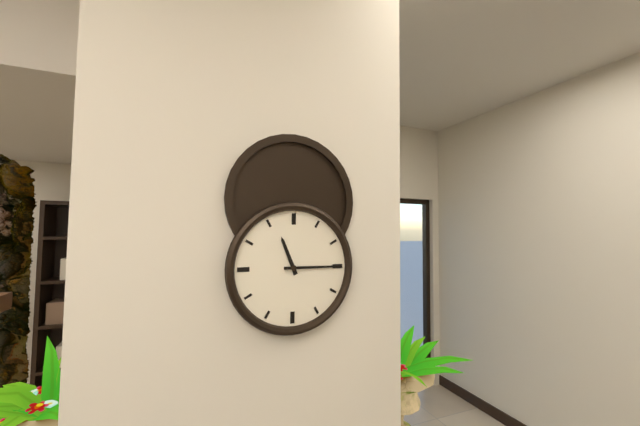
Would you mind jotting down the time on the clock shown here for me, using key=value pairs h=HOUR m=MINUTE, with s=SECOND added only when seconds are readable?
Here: h=11 m=15
